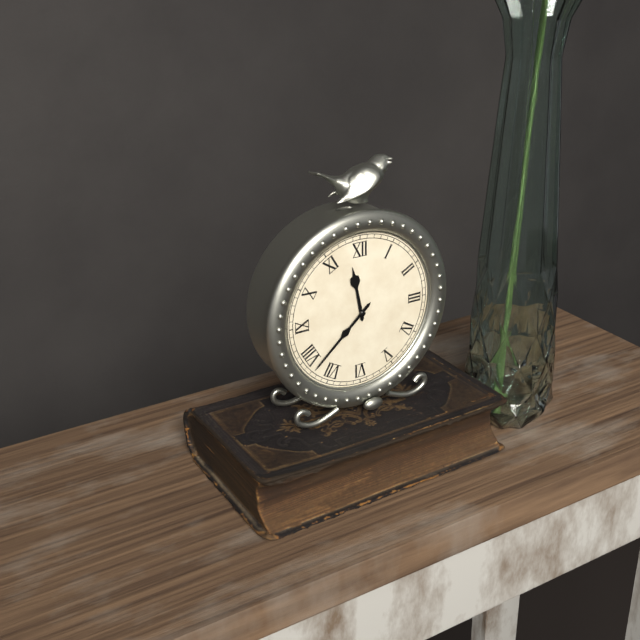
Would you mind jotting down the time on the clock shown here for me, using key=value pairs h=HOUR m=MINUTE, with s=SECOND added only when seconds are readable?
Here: h=11 m=38
